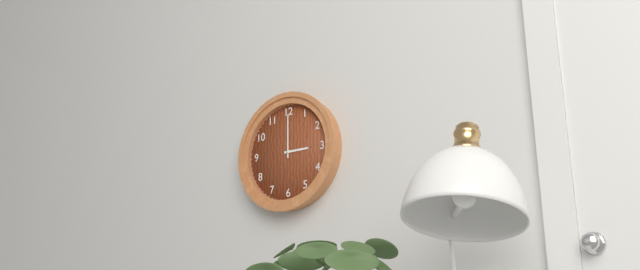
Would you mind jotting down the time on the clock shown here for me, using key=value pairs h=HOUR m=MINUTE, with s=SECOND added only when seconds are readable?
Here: h=3 m=0
